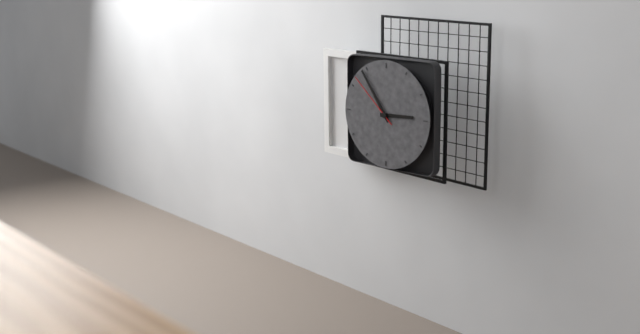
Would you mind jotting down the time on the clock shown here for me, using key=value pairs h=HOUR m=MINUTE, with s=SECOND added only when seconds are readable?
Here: h=2 m=54 s=52
